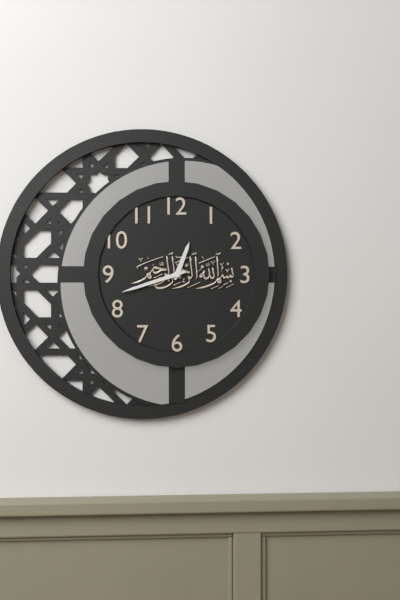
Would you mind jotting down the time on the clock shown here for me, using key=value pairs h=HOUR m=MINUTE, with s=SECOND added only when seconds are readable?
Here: h=12 m=42
